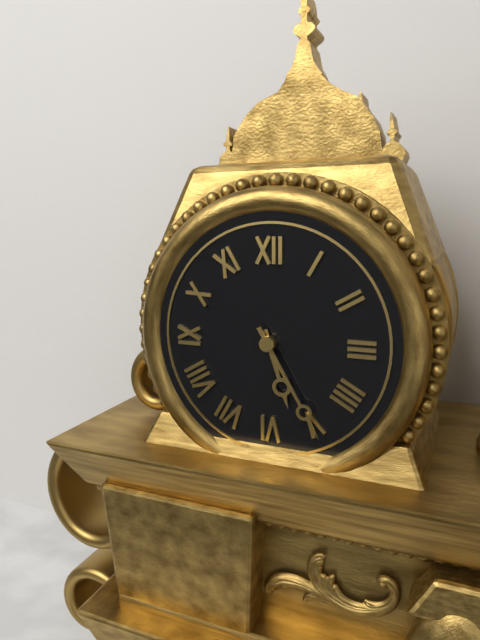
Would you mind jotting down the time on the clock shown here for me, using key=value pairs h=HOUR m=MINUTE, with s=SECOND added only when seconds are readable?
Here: h=5 m=25
